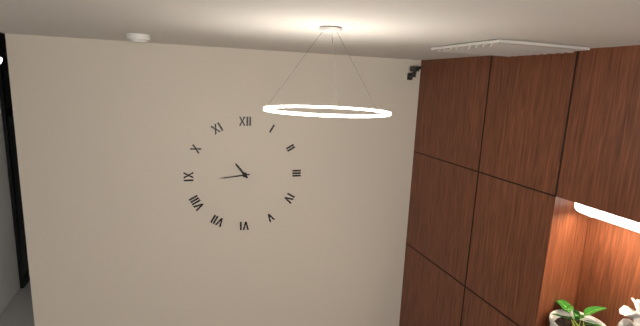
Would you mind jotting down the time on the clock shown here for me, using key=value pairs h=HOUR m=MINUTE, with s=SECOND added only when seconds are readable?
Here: h=10 m=44
